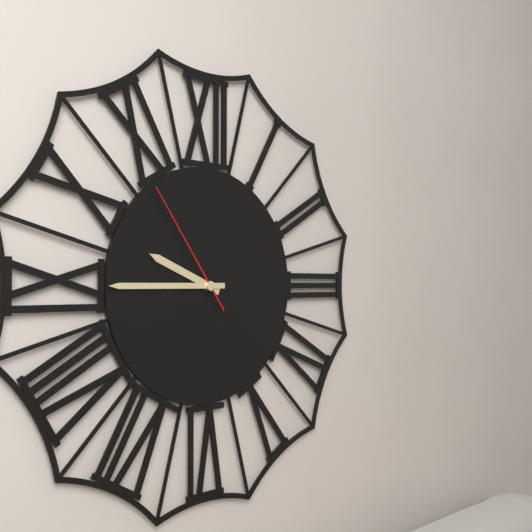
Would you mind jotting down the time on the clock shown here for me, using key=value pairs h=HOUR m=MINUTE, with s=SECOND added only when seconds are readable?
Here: h=9 m=45 s=54
